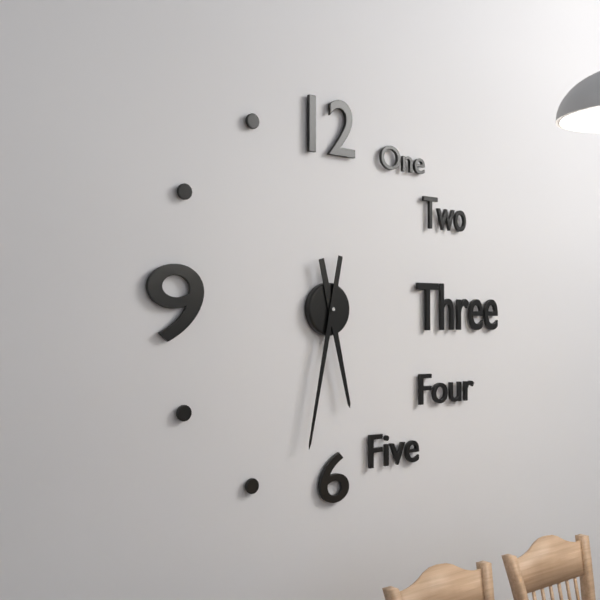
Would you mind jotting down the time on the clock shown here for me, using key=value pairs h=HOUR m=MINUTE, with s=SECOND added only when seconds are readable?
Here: h=5 m=32
